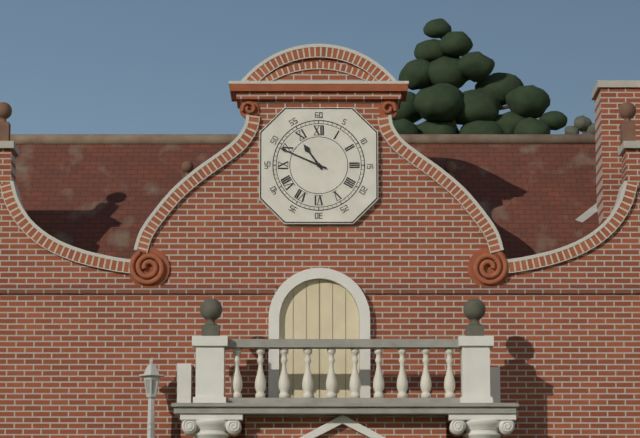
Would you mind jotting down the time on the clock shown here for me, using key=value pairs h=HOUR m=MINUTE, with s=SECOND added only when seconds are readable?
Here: h=10 m=49
